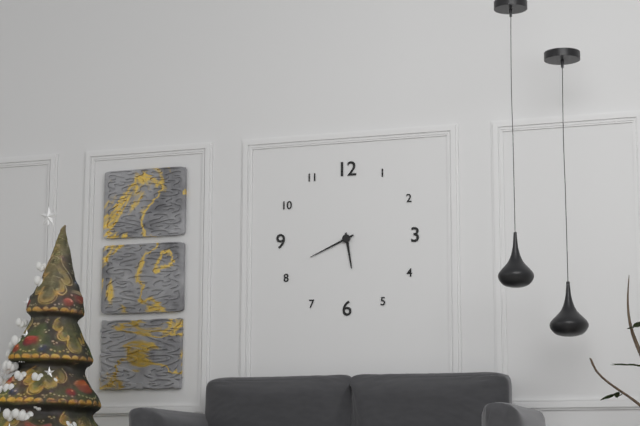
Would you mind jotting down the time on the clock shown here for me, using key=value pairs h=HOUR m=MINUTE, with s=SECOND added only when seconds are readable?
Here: h=5 m=41
